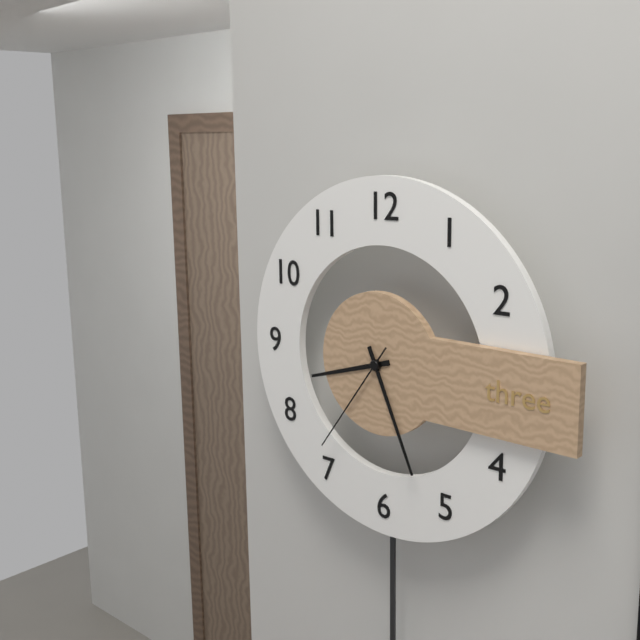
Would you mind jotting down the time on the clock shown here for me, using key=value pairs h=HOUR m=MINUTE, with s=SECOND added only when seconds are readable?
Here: h=8 m=26 s=36
